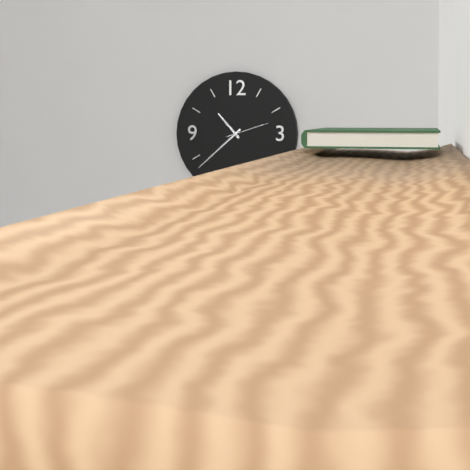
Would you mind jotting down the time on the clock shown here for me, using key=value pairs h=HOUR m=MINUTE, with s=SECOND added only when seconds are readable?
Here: h=10 m=38
